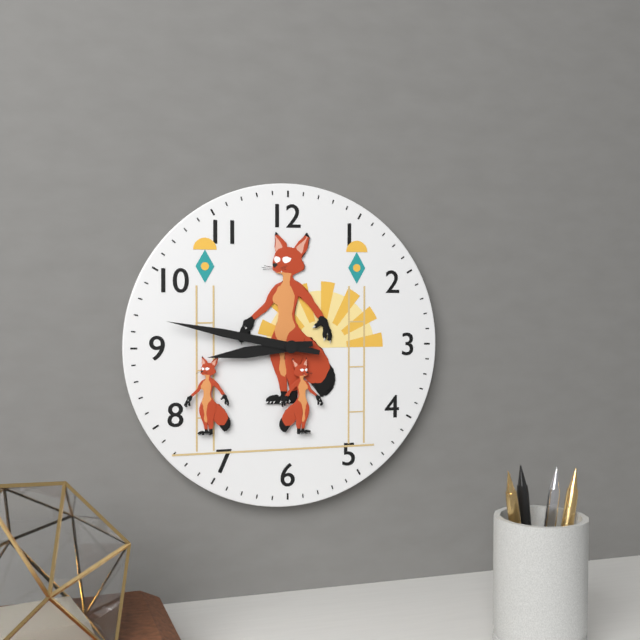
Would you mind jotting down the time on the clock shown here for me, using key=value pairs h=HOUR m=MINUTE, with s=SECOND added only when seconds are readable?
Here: h=8 m=47
